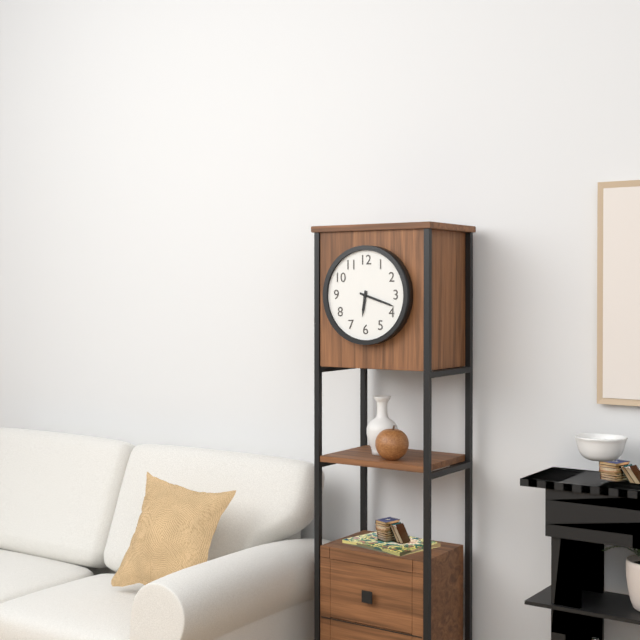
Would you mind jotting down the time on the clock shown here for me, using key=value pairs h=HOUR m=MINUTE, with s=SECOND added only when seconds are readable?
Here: h=6 m=18
